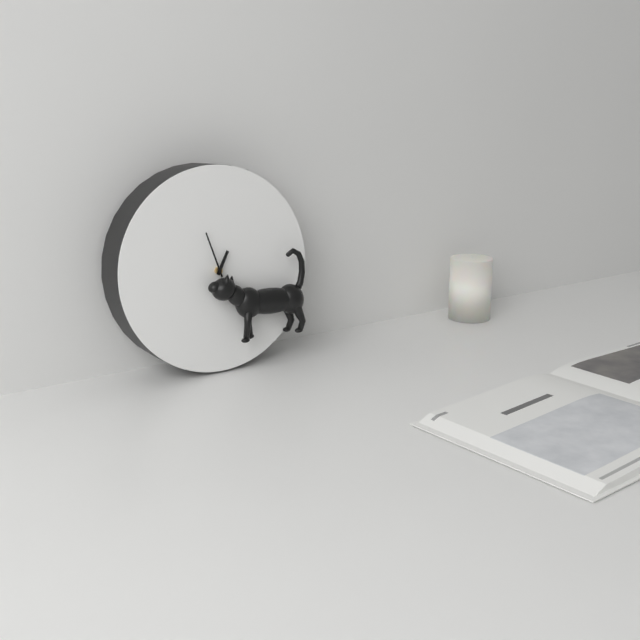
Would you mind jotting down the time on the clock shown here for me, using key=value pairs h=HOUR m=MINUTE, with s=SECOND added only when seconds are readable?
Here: h=12 m=57
